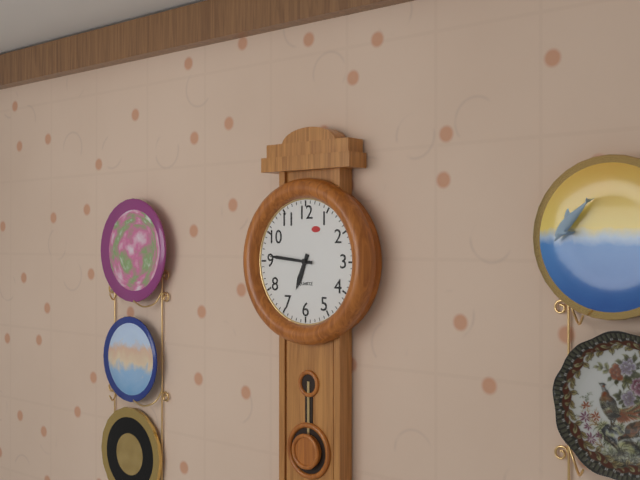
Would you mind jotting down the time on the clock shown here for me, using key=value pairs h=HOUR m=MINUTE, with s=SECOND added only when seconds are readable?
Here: h=6 m=46
